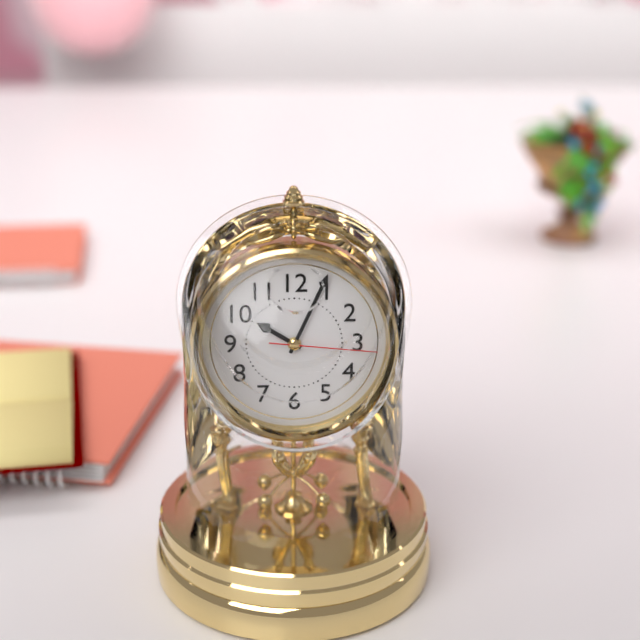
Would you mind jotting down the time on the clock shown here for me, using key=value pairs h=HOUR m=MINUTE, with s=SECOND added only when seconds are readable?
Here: h=10 m=4 s=16
